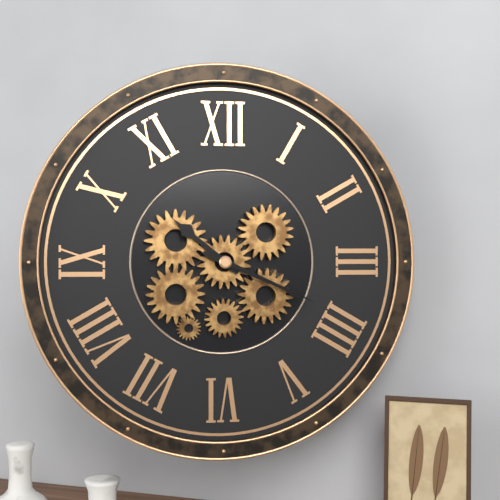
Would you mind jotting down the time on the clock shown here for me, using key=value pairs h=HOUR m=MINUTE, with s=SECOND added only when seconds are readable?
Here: h=10 m=19
